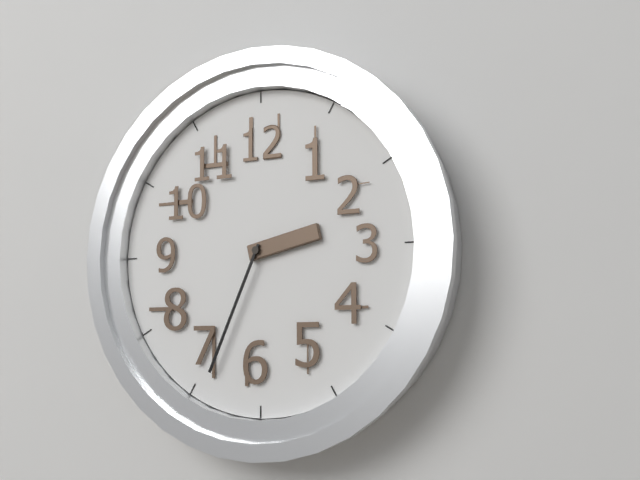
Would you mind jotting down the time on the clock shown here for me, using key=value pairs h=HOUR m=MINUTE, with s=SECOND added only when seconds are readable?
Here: h=2 m=34
